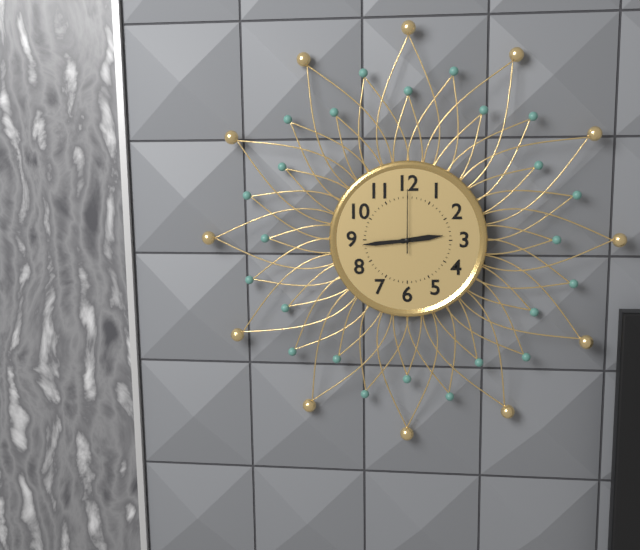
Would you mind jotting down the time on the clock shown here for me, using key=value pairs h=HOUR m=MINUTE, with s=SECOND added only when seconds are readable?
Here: h=2 m=44 s=0
